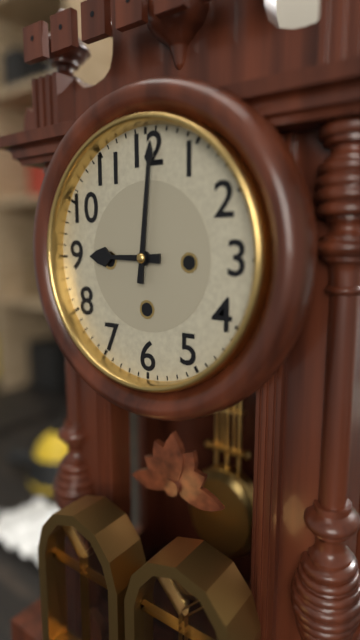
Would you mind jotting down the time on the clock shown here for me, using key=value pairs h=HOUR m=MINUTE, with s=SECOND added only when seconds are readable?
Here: h=9 m=1
